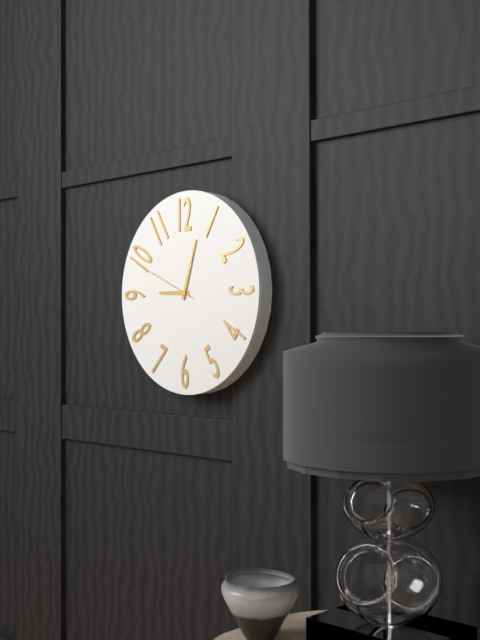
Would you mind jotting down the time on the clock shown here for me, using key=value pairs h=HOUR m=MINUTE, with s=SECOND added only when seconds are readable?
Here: h=9 m=3 s=49
